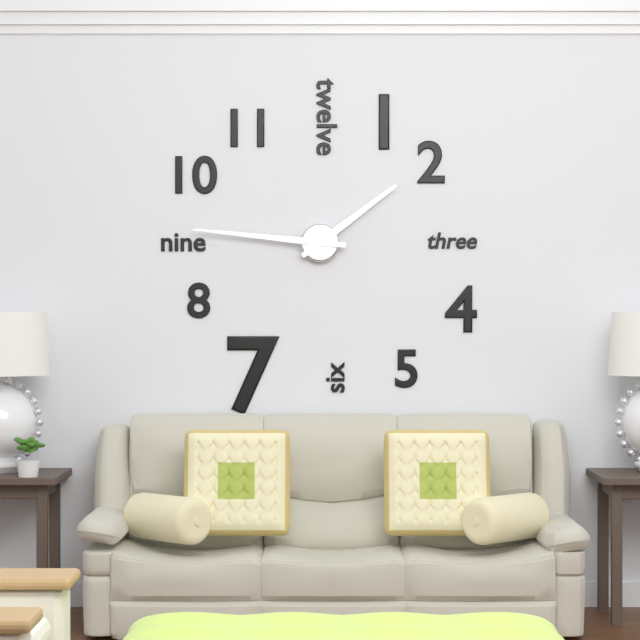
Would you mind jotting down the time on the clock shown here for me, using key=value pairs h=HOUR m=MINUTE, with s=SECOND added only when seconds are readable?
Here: h=1 m=46
